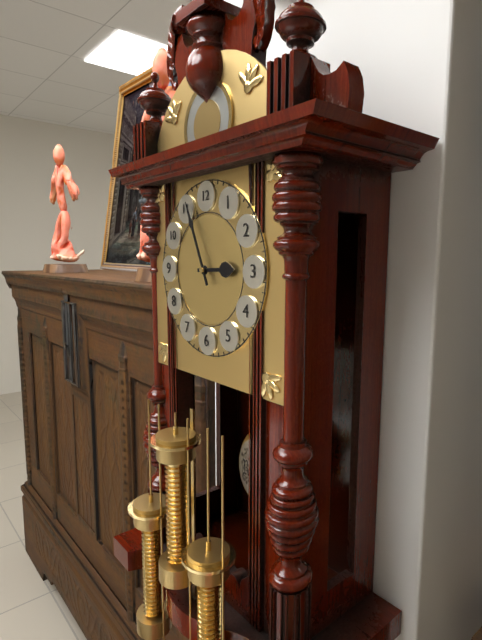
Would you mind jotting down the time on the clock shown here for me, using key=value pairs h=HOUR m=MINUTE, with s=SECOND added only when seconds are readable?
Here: h=2 m=56
